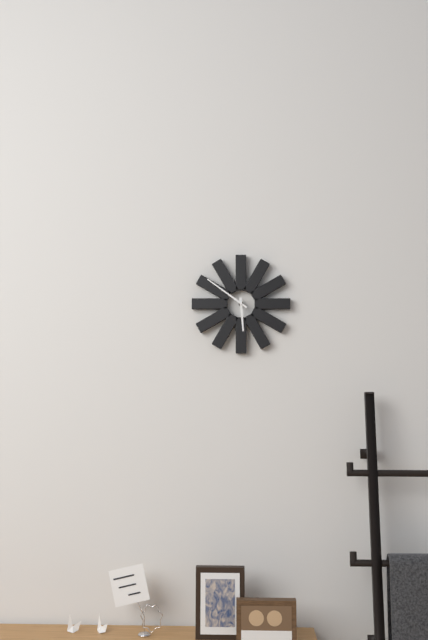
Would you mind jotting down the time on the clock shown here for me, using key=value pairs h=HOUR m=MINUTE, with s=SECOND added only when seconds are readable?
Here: h=5 m=51
